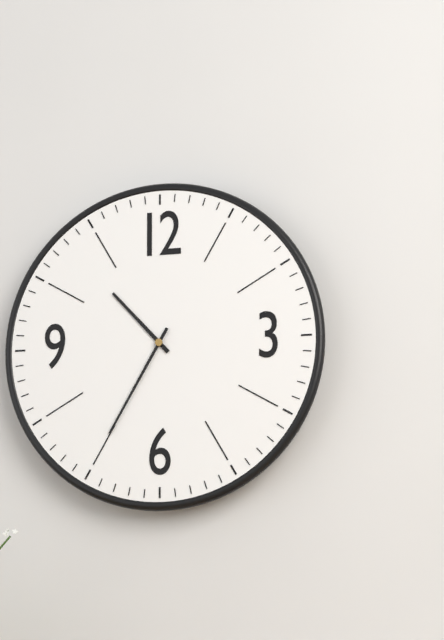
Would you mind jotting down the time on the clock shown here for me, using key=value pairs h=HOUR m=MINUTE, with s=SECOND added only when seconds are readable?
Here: h=10 m=35
